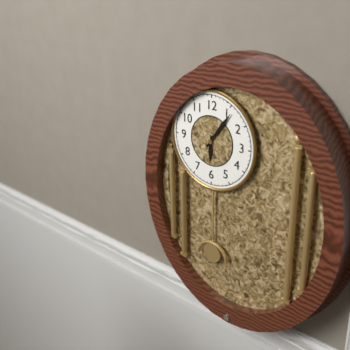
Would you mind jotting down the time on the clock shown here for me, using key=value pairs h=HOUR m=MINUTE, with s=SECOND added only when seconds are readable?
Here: h=6 m=6
